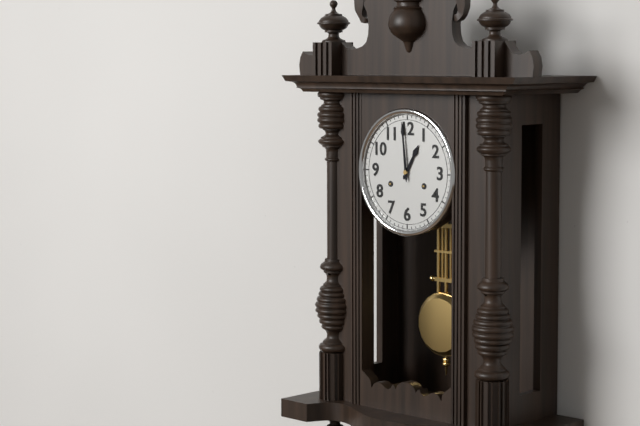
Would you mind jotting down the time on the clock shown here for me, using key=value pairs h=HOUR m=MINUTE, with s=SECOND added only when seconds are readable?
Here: h=12 m=59
